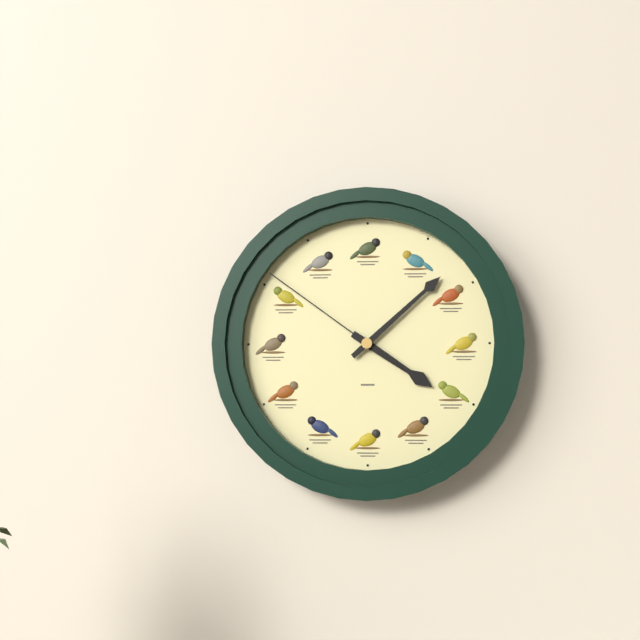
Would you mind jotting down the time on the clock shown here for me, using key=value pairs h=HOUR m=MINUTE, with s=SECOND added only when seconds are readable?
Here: h=4 m=8 s=51
